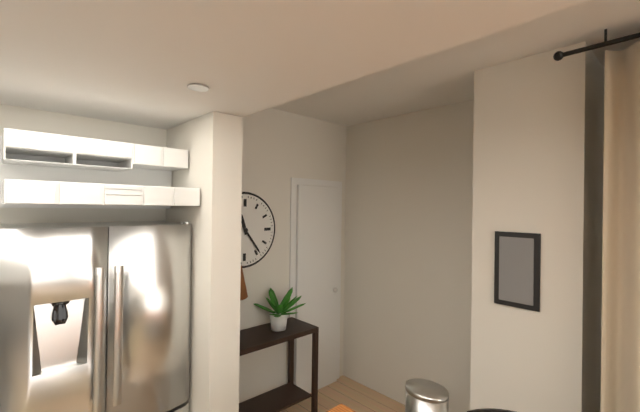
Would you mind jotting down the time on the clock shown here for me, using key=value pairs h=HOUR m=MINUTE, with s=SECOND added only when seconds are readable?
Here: h=11 m=24
